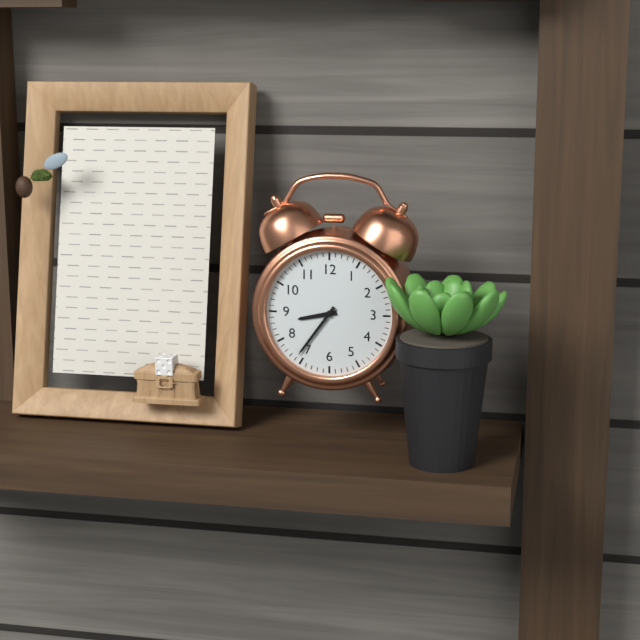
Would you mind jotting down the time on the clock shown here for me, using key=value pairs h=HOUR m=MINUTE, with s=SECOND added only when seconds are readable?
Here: h=8 m=36
